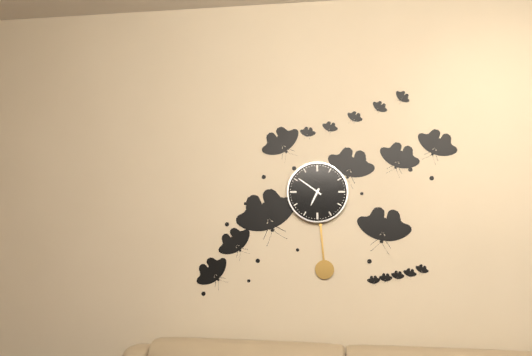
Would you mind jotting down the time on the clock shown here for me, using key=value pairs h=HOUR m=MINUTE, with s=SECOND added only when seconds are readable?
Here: h=6 m=51
